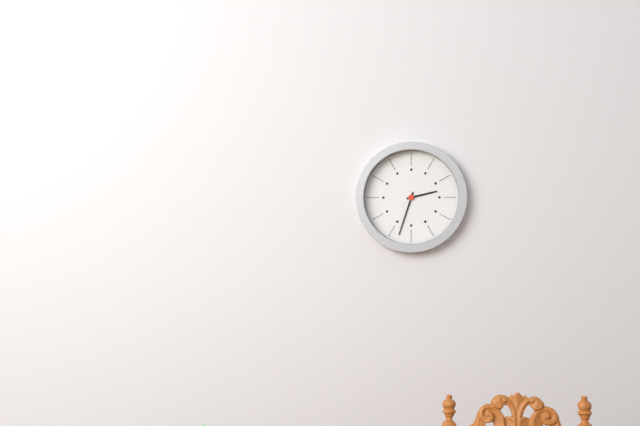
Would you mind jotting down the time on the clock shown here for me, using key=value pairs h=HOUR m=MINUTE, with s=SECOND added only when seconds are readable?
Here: h=2 m=33
